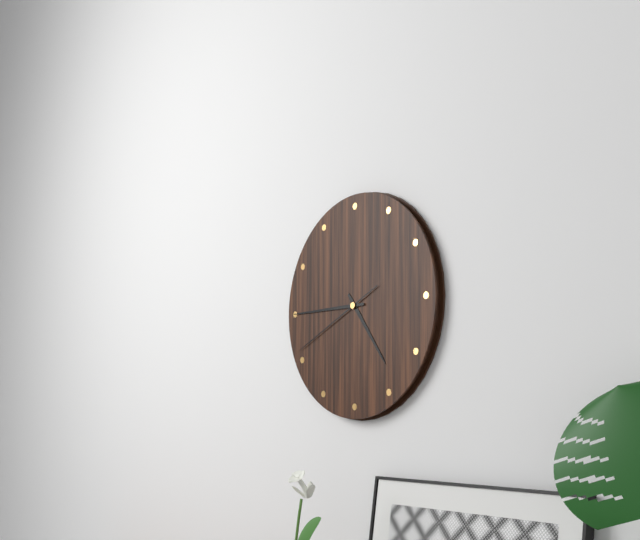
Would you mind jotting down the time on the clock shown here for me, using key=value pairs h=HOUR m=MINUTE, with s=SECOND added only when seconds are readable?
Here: h=4 m=45 s=41
